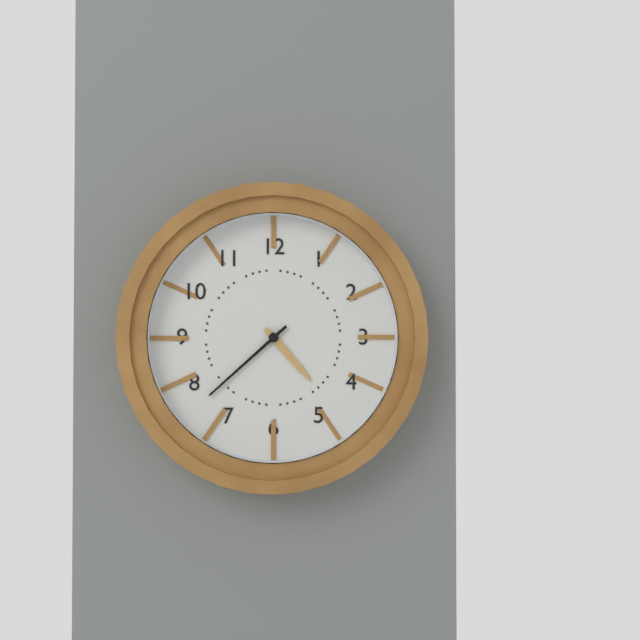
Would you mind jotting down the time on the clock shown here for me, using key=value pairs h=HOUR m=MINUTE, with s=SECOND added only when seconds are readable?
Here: h=4 m=38
